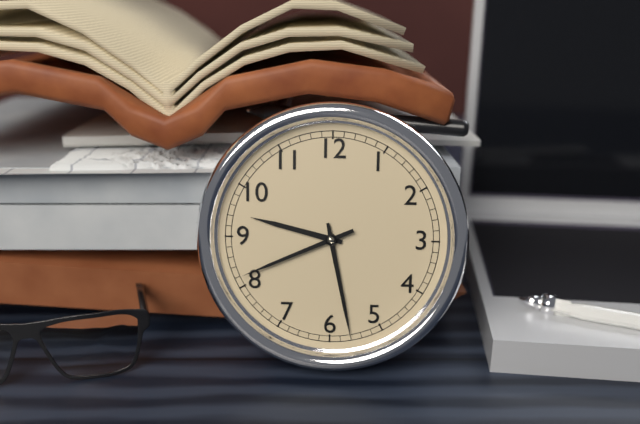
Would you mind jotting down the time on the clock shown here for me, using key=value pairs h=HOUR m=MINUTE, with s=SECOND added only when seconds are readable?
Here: h=9 m=28 s=41
